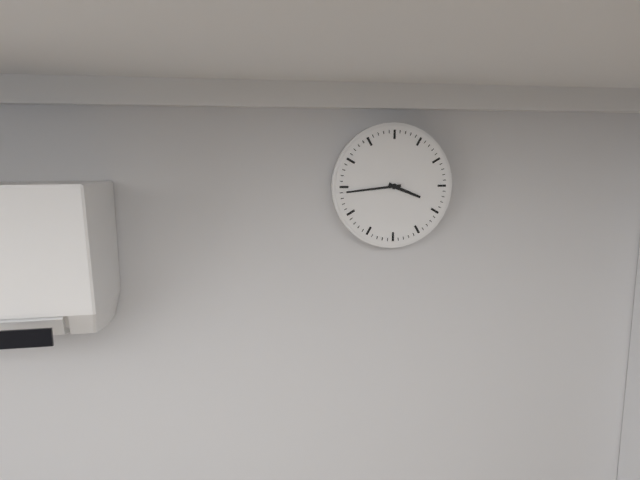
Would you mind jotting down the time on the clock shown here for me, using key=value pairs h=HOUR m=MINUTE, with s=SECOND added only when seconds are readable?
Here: h=3 m=44
